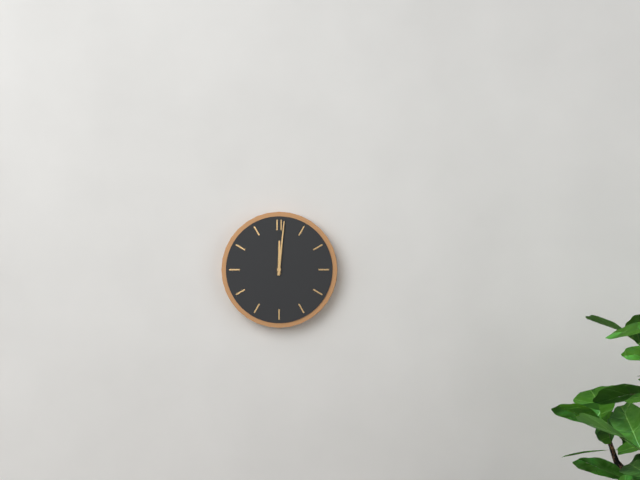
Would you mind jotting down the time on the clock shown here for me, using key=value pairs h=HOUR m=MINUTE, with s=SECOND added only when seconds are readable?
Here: h=12 m=1
